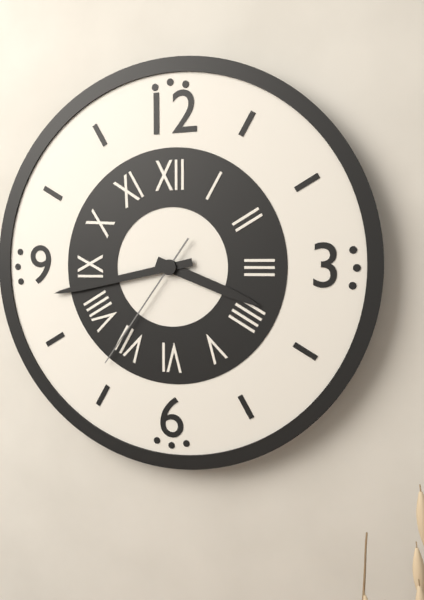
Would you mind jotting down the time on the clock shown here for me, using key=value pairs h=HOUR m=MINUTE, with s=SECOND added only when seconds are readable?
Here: h=3 m=43 s=36
